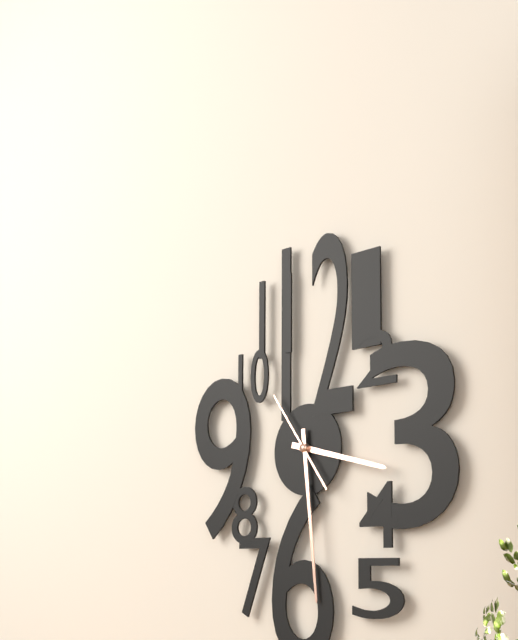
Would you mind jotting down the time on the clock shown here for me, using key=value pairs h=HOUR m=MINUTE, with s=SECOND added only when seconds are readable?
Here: h=3 m=29 s=54
